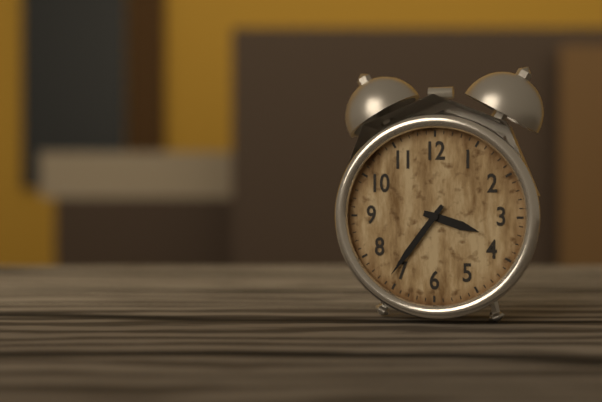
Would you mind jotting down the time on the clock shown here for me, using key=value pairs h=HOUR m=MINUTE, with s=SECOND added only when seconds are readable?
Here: h=3 m=36
